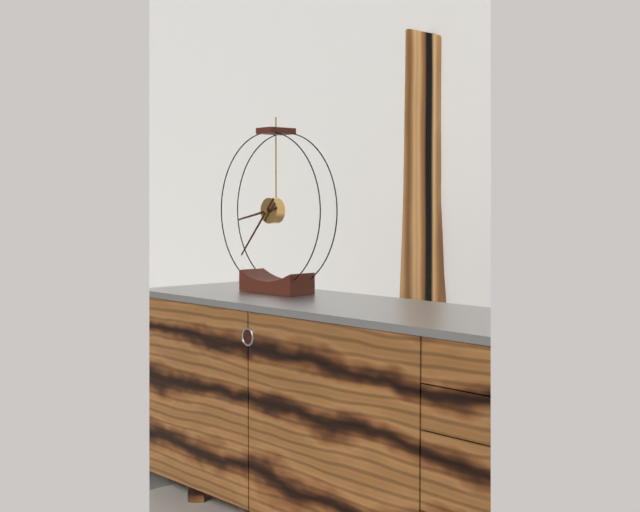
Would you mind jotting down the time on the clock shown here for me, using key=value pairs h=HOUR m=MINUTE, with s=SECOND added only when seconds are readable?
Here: h=8 m=37
